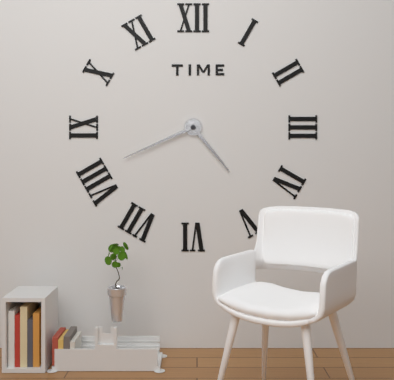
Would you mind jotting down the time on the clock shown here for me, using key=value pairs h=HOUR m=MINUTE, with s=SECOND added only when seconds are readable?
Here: h=4 m=41
